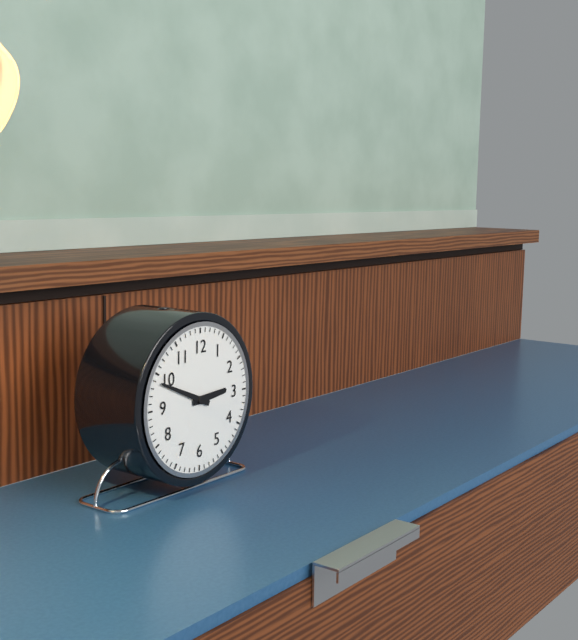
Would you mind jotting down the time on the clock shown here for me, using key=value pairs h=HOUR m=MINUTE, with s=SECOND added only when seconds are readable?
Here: h=2 m=49
